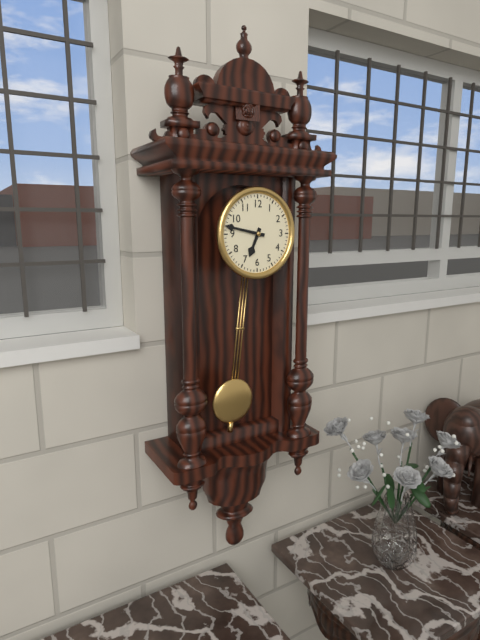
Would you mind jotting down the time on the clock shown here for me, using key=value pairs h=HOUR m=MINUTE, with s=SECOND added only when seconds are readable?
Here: h=6 m=47
